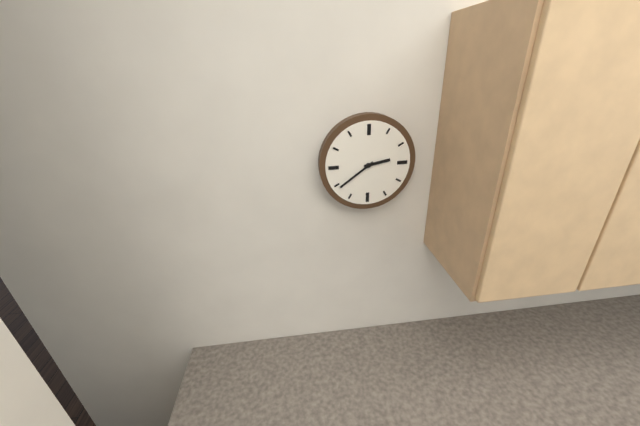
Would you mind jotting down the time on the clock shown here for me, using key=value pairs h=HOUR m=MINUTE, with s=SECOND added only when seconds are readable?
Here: h=2 m=39
